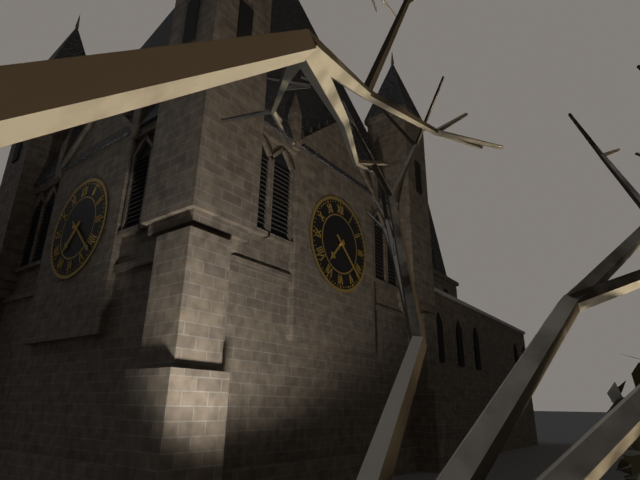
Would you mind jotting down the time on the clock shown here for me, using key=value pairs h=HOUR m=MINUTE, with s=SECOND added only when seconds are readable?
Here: h=7 m=22
